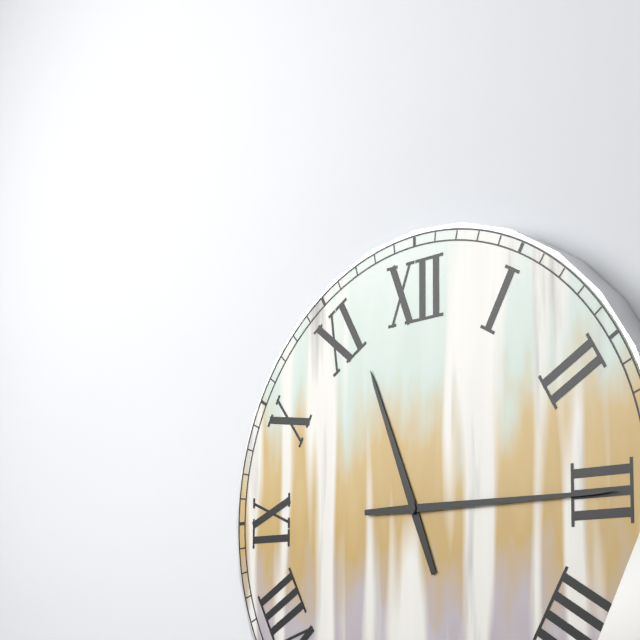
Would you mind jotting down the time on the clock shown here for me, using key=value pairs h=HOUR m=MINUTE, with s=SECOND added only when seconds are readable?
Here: h=11 m=15
